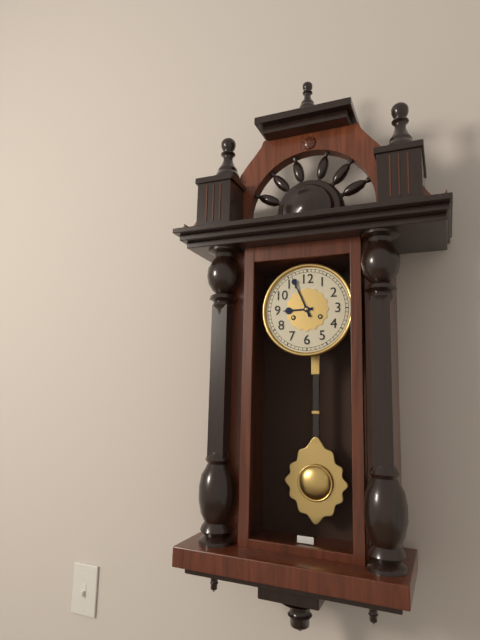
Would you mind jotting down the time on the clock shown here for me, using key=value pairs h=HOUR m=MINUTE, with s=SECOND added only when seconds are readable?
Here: h=8 m=56
